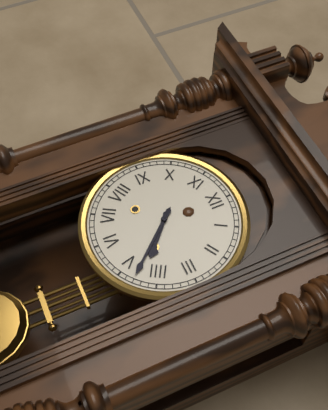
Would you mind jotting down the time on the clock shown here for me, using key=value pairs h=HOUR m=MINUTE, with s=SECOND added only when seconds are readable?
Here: h=4 m=23
